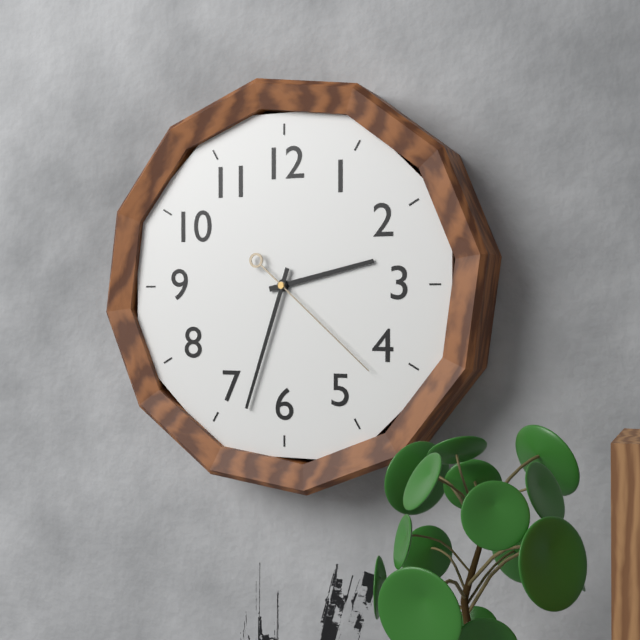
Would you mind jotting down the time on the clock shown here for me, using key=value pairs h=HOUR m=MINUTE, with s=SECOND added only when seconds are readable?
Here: h=2 m=33 s=22
